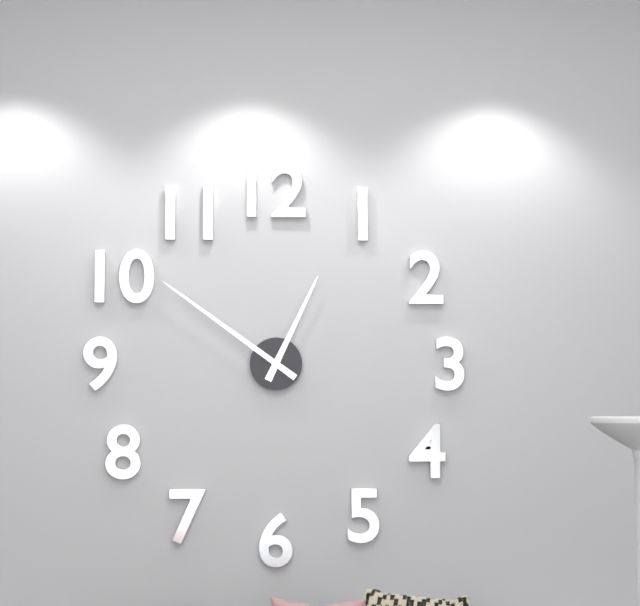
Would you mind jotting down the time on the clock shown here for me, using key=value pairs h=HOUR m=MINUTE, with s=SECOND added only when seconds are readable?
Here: h=12 m=51
